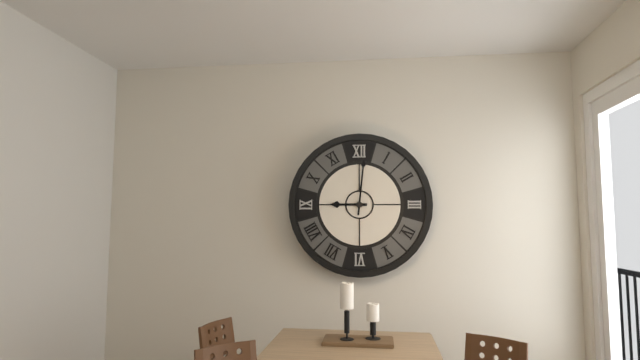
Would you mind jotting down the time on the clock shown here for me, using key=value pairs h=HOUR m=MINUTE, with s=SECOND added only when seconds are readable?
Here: h=9 m=1
